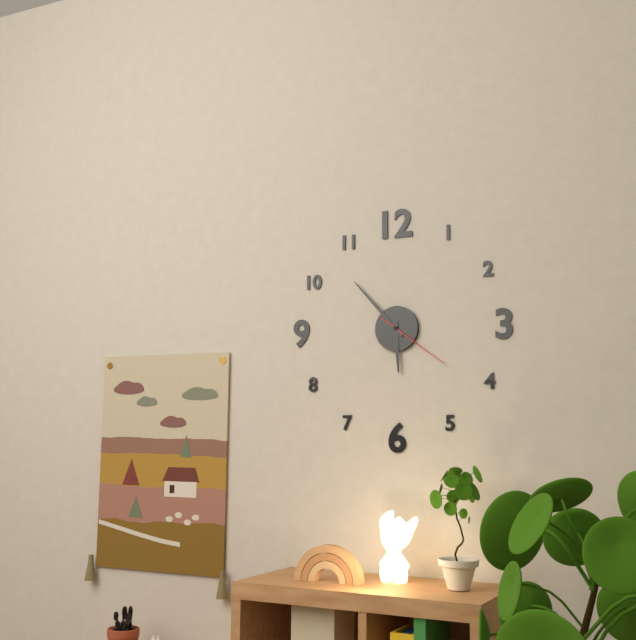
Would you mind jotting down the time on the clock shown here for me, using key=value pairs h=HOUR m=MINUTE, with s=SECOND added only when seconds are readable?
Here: h=5 m=53 s=21
